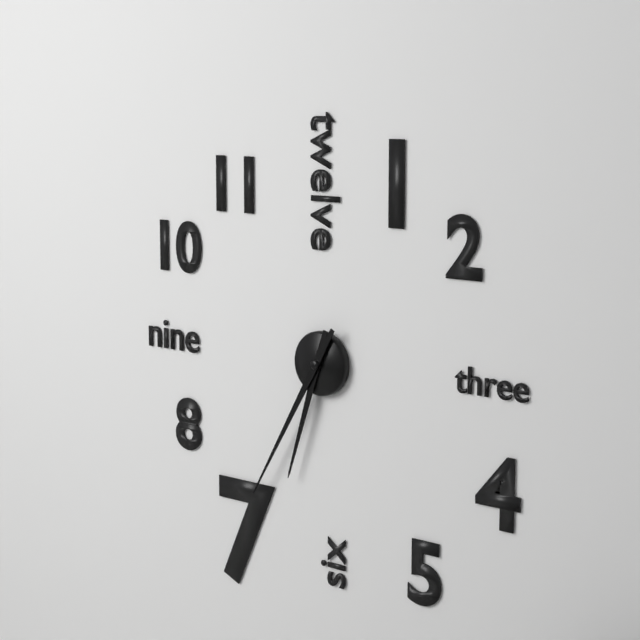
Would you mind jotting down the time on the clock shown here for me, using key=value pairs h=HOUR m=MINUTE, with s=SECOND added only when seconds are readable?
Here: h=6 m=35
